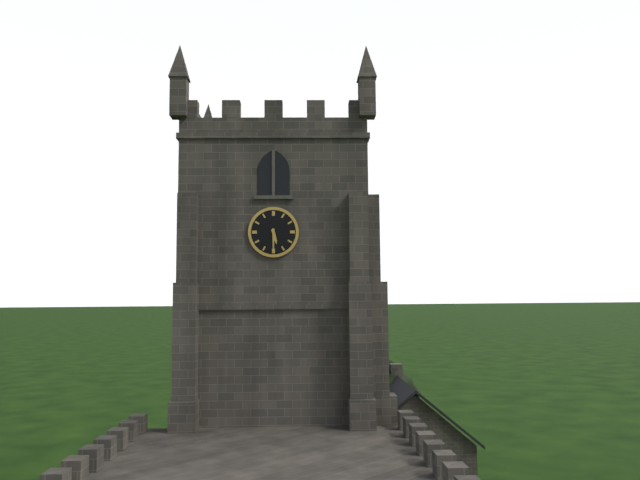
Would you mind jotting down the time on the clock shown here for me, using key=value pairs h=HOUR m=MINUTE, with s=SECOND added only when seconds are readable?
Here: h=5 m=30
